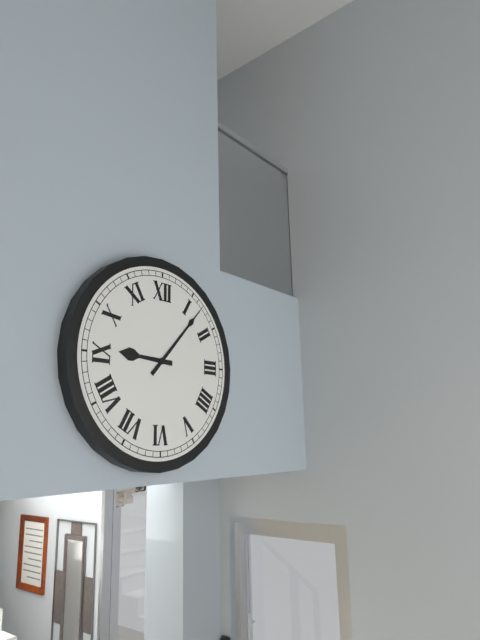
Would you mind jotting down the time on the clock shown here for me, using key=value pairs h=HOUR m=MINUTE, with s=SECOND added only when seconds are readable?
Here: h=9 m=7
